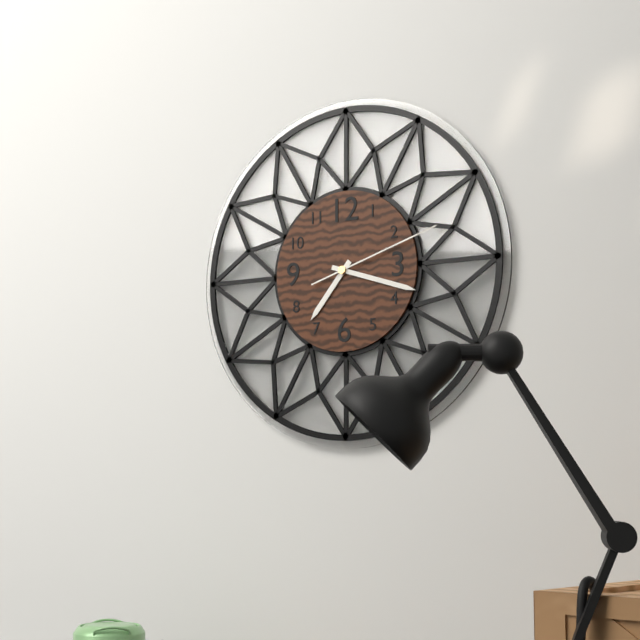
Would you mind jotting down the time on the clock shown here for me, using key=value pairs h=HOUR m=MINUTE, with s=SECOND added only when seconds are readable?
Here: h=7 m=18 s=12
